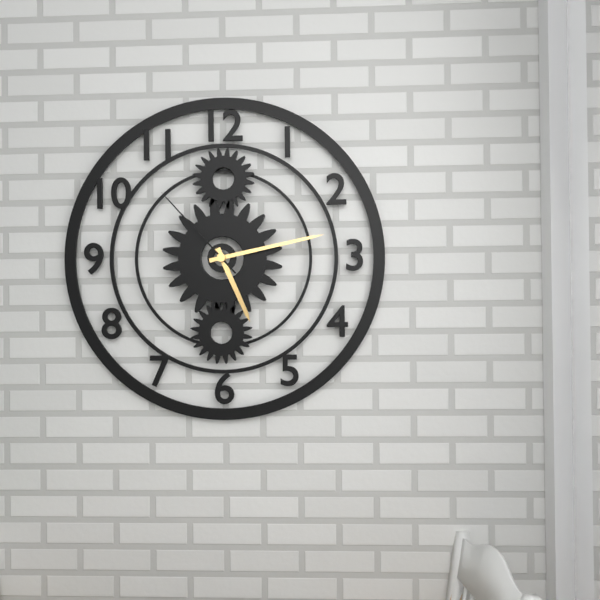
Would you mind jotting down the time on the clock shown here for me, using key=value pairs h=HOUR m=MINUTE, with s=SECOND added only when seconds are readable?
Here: h=5 m=13 s=53
